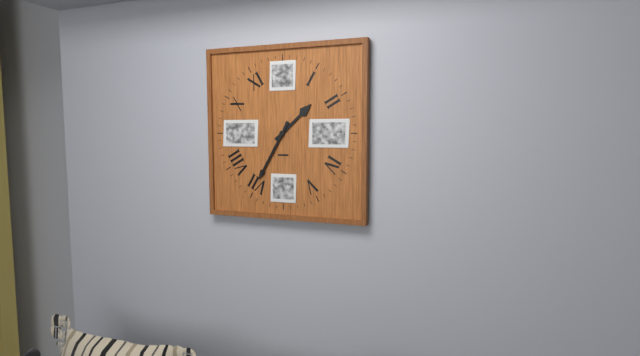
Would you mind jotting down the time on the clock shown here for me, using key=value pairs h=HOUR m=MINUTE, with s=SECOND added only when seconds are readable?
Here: h=1 m=35
